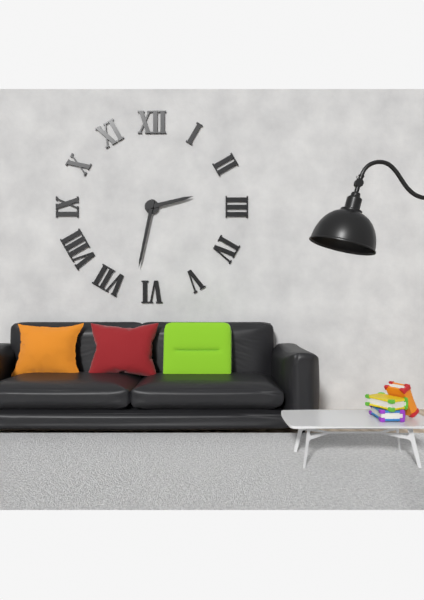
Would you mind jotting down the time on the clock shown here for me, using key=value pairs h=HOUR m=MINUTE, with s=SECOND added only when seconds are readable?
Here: h=2 m=32
